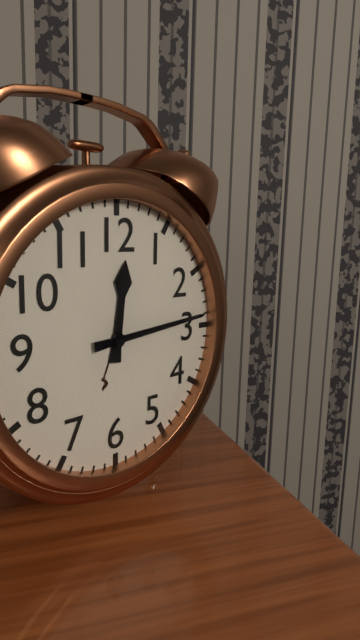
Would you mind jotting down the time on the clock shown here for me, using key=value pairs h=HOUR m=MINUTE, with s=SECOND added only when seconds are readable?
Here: h=12 m=14
